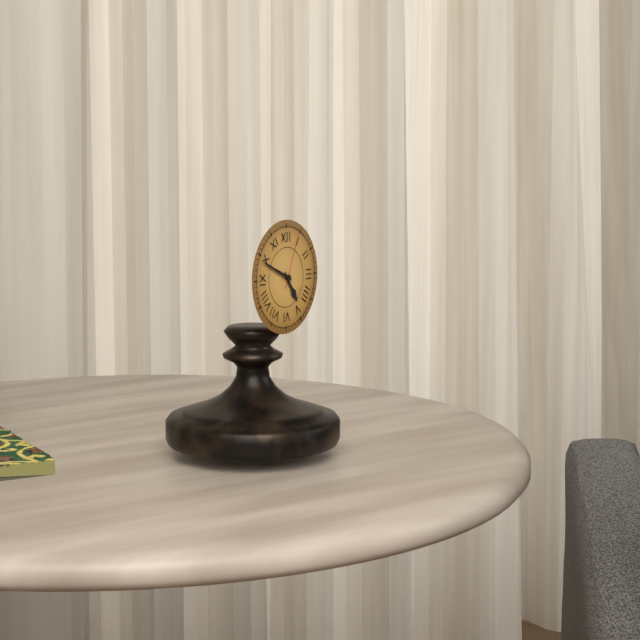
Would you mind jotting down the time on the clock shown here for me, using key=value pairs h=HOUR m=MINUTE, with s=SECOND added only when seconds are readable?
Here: h=4 m=49 s=4
